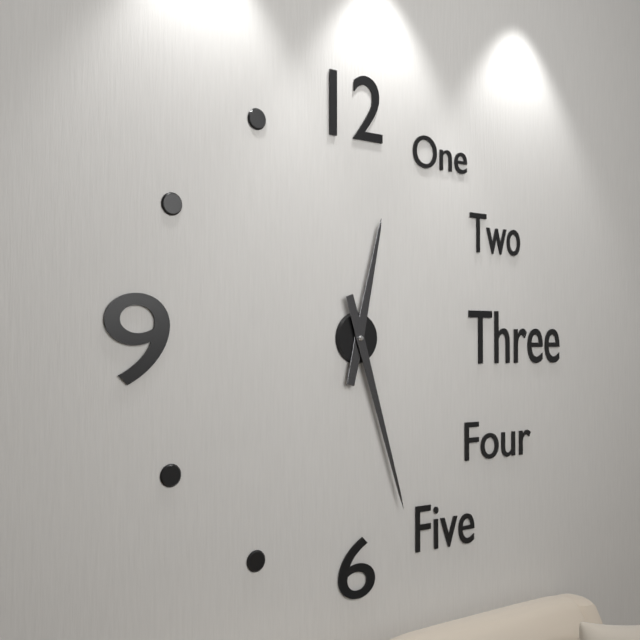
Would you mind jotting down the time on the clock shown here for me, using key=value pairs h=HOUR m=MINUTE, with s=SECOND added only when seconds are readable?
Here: h=12 m=27
